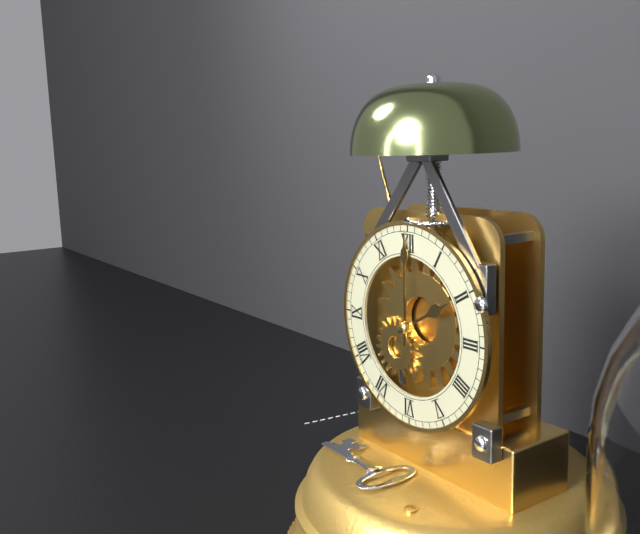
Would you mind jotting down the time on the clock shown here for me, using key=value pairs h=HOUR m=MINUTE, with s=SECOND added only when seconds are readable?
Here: h=2 m=0
